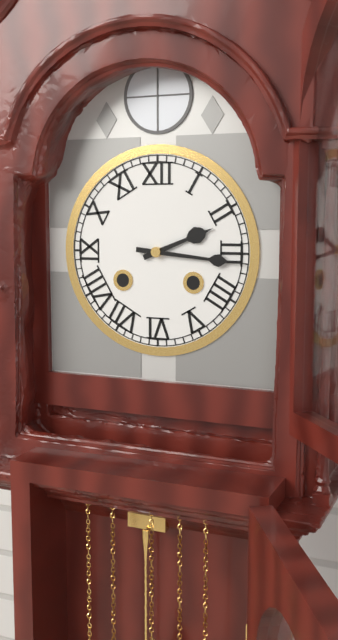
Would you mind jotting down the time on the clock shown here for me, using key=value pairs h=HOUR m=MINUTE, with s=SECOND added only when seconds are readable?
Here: h=2 m=16
